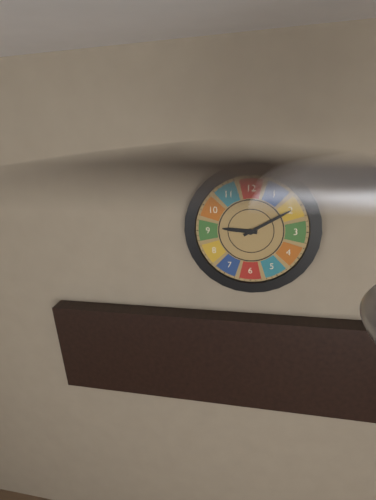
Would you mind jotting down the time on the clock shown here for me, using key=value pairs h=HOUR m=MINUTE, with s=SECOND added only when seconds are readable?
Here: h=9 m=10
